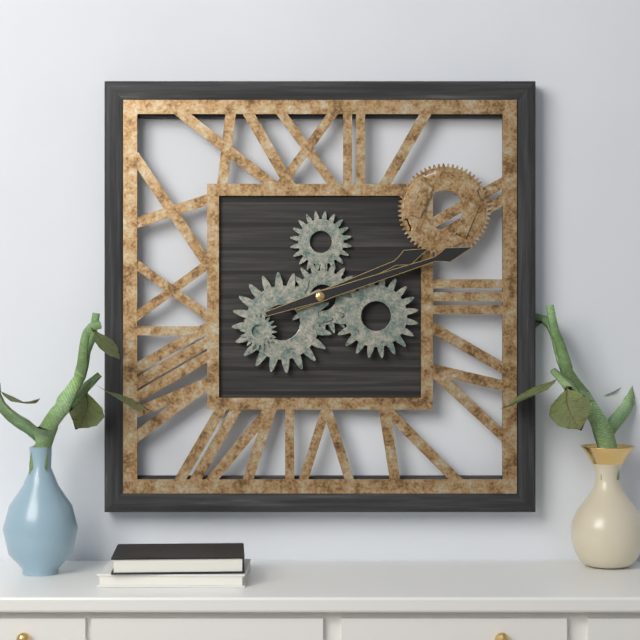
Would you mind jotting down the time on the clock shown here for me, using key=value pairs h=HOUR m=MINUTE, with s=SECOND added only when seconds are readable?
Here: h=2 m=12
